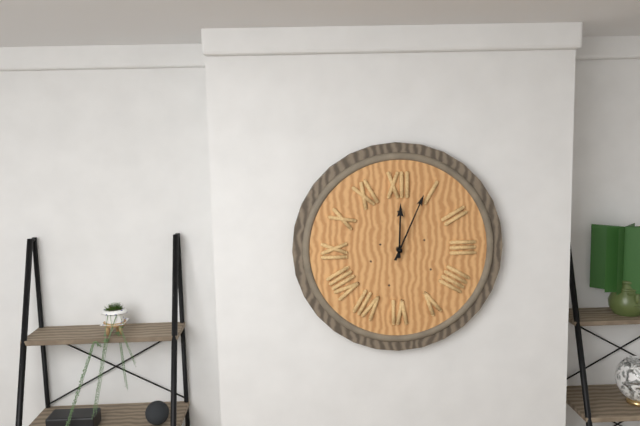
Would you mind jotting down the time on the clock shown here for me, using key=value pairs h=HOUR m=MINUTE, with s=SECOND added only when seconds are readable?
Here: h=12 m=4
